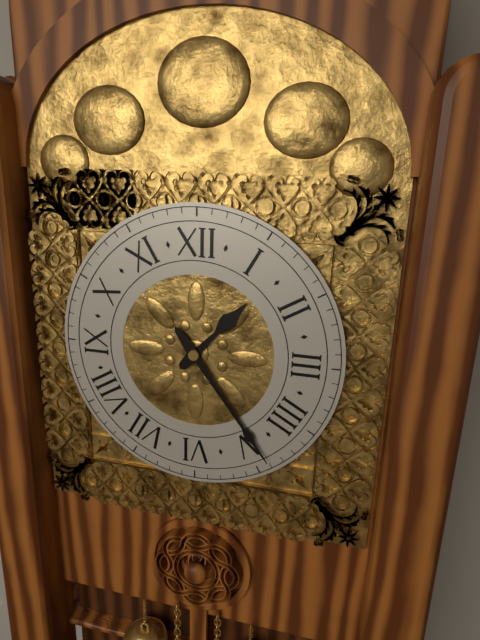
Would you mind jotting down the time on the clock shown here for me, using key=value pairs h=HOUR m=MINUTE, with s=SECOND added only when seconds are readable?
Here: h=1 m=24
